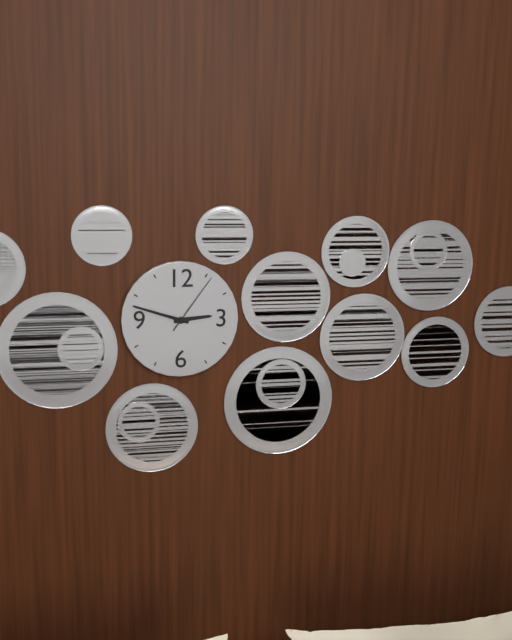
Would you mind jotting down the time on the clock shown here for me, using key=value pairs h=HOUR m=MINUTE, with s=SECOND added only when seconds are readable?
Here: h=2 m=48 s=6
